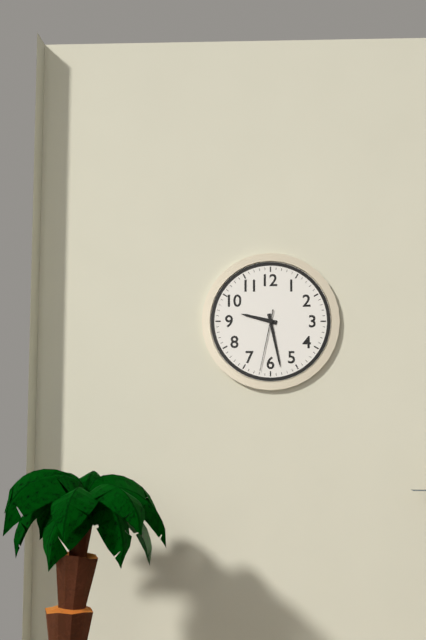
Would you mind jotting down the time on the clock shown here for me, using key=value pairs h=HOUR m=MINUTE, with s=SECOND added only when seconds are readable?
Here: h=9 m=28 s=32
